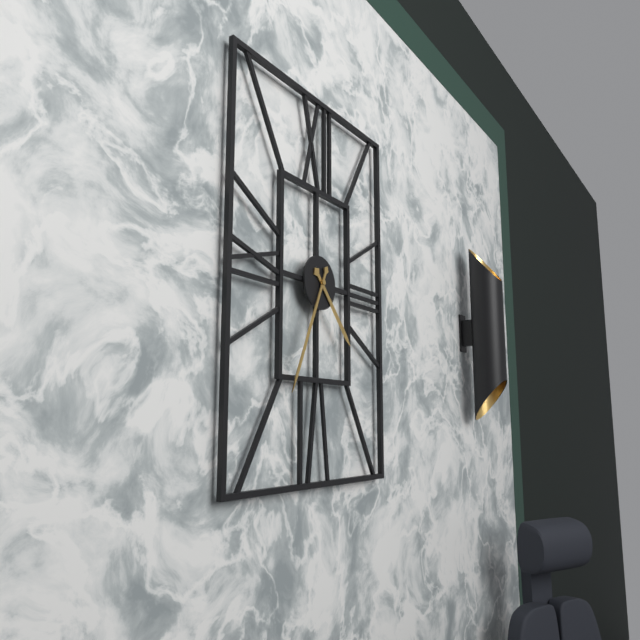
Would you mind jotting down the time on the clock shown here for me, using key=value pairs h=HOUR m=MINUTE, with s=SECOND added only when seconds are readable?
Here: h=4 m=34
